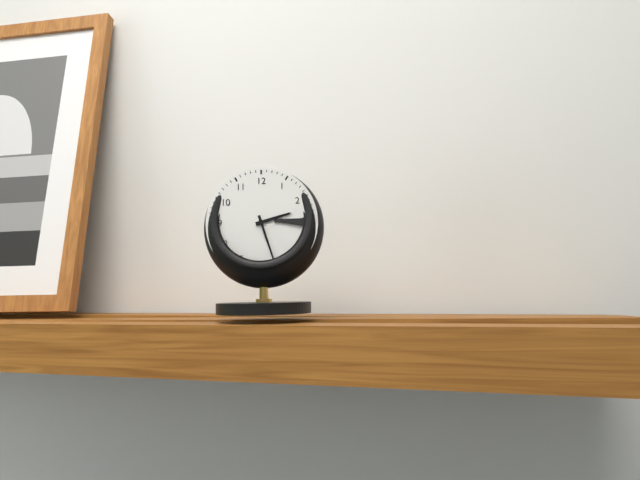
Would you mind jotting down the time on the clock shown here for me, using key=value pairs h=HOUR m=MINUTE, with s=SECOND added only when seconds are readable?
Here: h=2 m=27
